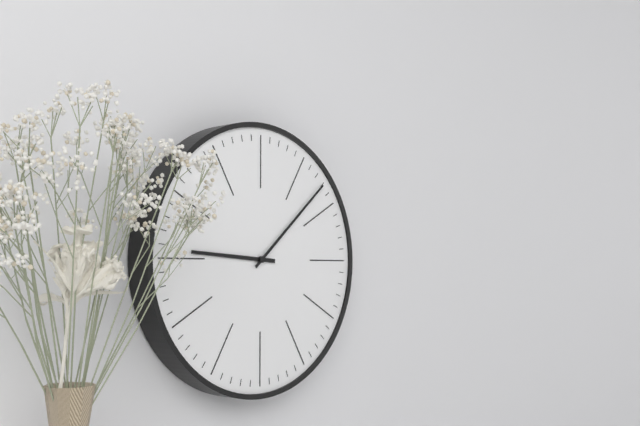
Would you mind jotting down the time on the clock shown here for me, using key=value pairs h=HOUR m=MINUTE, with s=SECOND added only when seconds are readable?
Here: h=9 m=8
